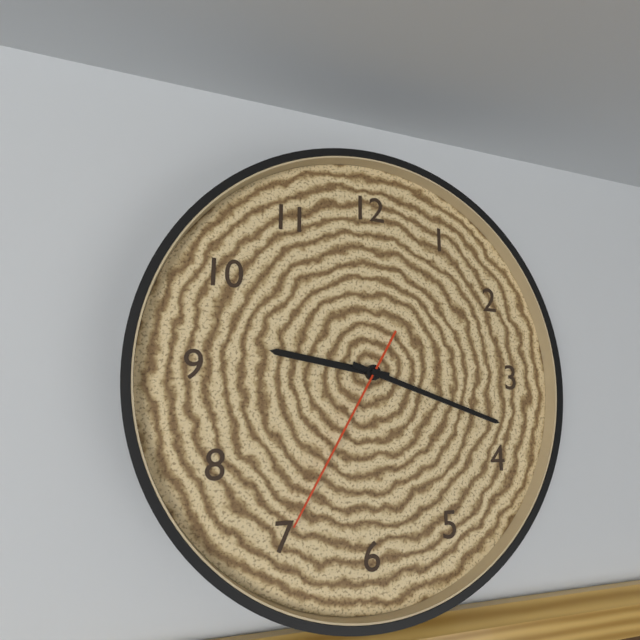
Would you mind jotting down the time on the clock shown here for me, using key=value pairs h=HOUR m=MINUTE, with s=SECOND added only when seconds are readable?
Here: h=9 m=18 s=35
